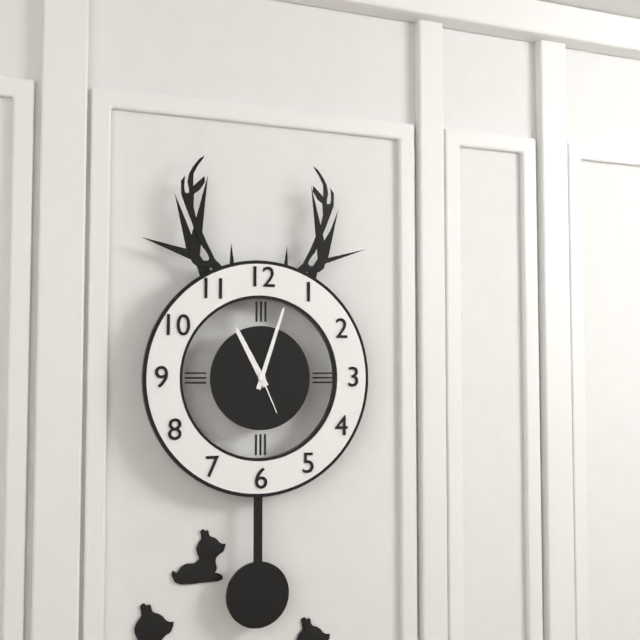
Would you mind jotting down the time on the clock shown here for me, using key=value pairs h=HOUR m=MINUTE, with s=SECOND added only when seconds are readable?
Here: h=11 m=3
